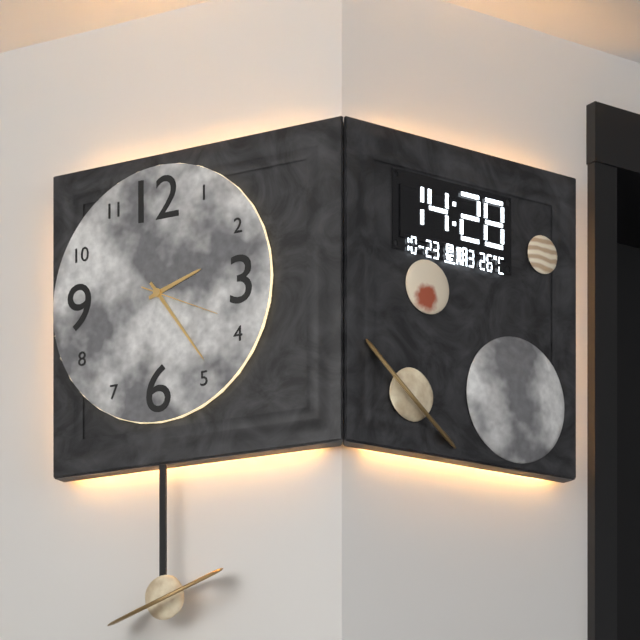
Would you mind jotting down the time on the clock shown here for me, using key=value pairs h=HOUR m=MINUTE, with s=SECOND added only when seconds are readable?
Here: h=2 m=24 s=19
